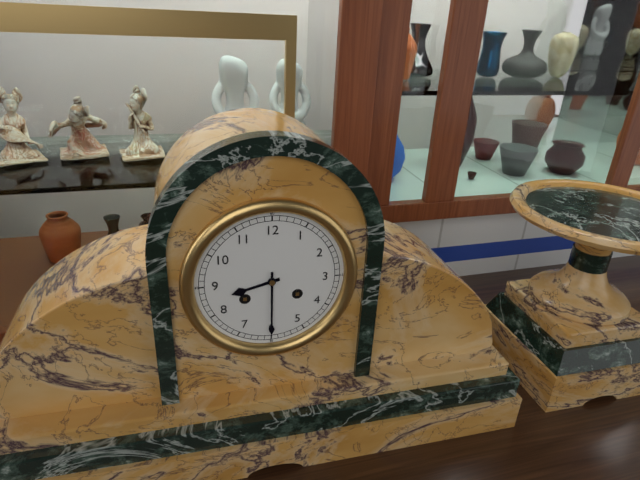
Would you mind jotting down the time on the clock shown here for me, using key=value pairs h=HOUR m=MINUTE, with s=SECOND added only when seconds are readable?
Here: h=8 m=30
